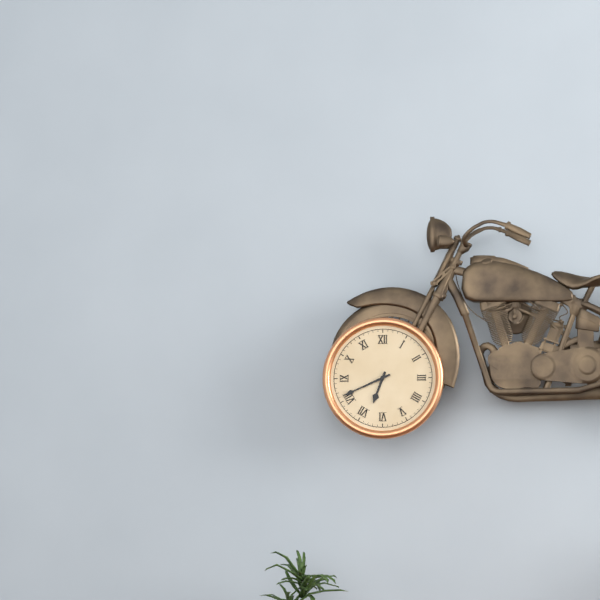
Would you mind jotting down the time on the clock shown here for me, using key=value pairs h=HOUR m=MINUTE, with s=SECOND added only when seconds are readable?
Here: h=6 m=41
